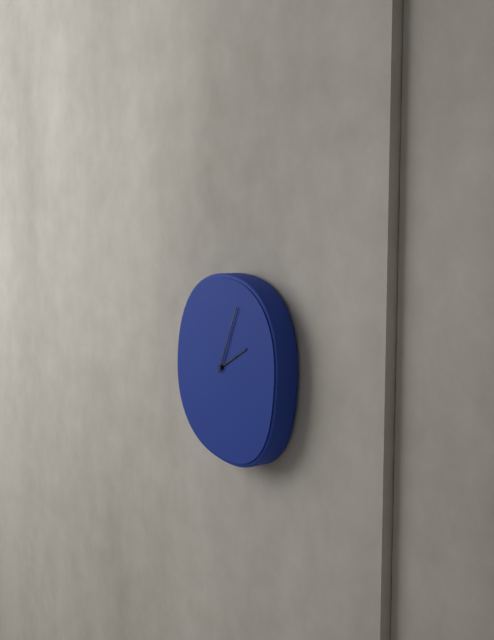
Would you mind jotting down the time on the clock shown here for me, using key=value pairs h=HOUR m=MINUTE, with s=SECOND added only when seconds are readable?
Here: h=2 m=4
